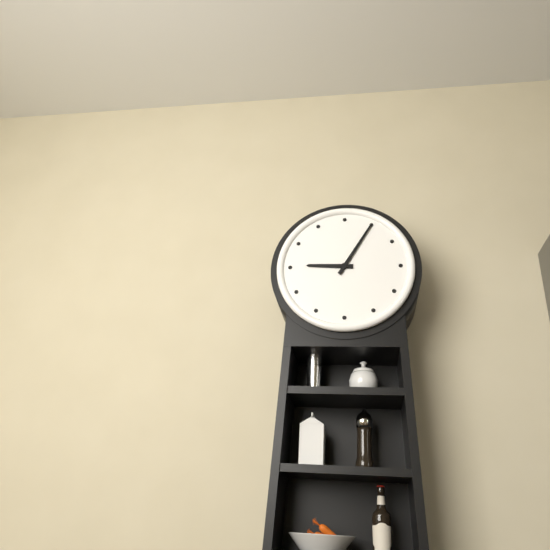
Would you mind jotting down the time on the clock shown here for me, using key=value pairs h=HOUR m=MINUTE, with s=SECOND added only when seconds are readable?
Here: h=9 m=5
